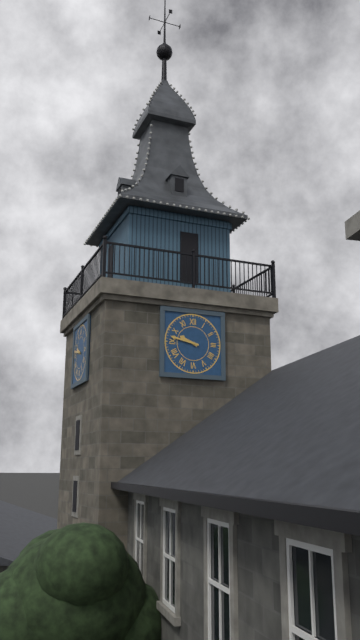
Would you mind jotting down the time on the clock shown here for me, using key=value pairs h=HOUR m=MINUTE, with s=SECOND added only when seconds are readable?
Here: h=9 m=47
